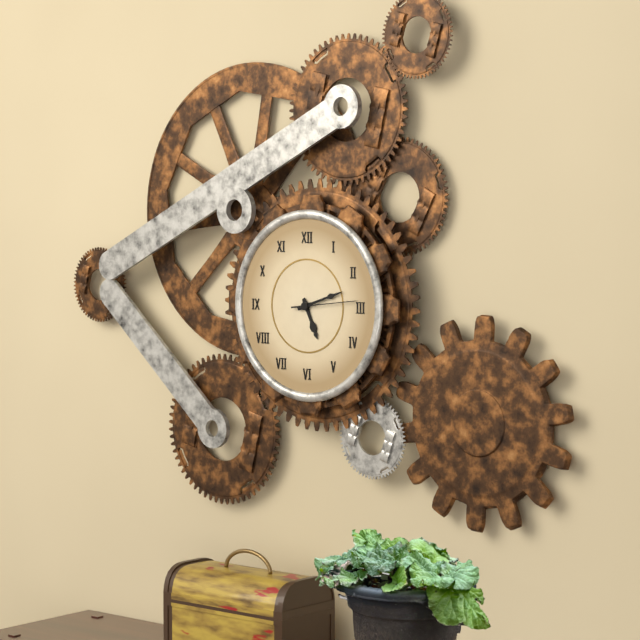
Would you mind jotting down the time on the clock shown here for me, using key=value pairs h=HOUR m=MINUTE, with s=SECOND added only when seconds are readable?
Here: h=5 m=12
